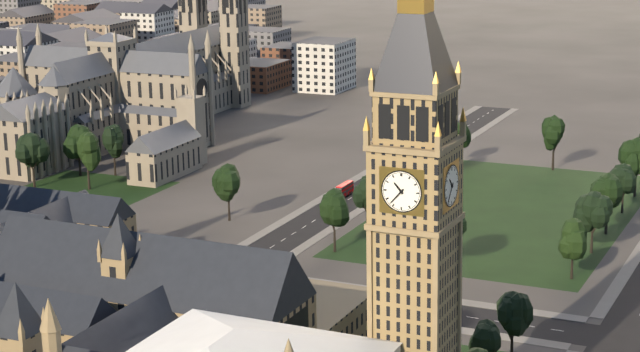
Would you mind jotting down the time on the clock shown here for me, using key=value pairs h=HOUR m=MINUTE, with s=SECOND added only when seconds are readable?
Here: h=10 m=37
